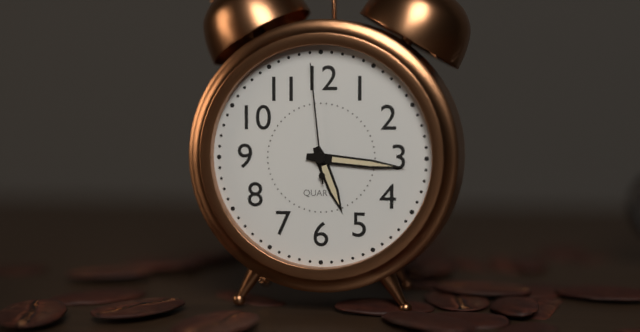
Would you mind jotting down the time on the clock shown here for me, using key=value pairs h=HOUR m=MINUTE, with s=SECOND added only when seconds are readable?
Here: h=5 m=16 s=59
